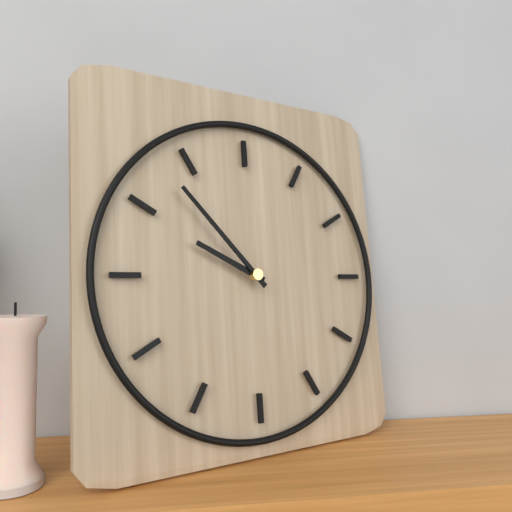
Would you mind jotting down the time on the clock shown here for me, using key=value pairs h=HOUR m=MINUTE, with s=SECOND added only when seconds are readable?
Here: h=9 m=53
